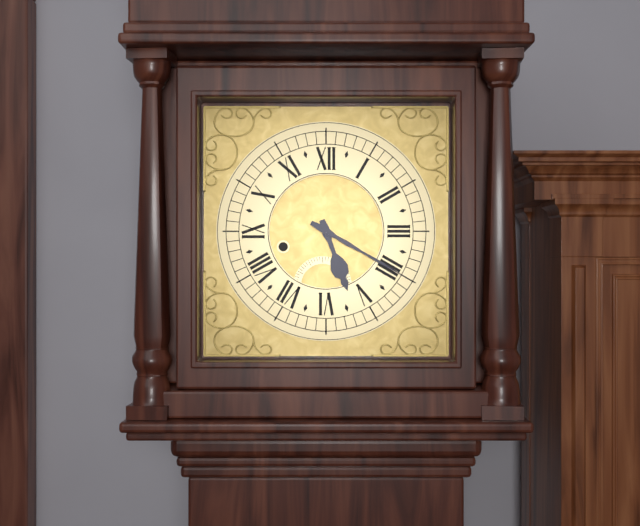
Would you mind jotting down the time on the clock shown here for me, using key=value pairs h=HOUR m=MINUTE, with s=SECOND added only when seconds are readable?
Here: h=5 m=20
